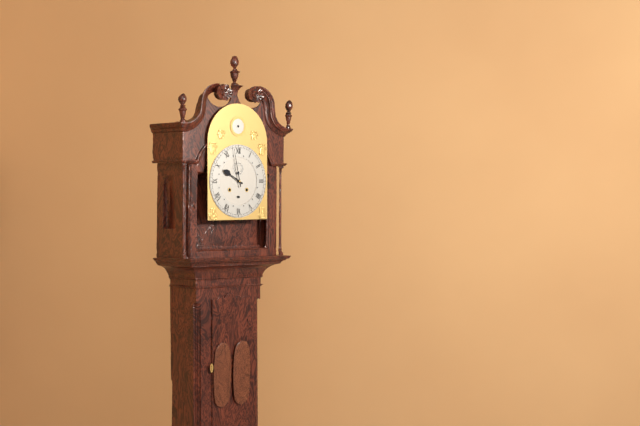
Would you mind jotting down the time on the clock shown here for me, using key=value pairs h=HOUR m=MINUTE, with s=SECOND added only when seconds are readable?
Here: h=9 m=58
